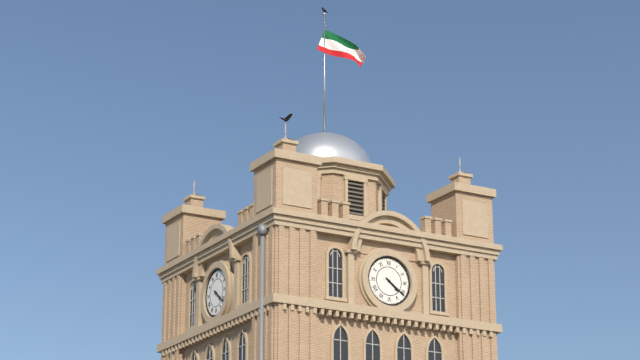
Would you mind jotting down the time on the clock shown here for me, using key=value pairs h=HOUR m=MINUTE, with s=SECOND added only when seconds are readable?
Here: h=4 m=21
